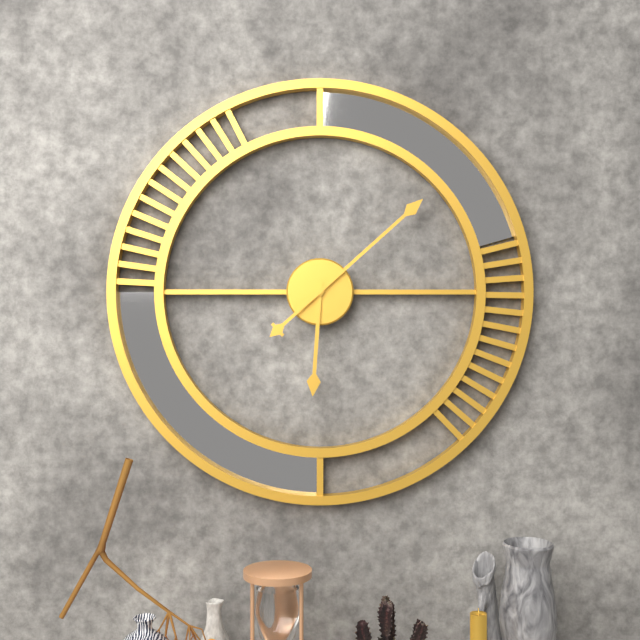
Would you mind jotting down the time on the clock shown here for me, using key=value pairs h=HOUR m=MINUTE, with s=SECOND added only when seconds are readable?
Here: h=6 m=8
